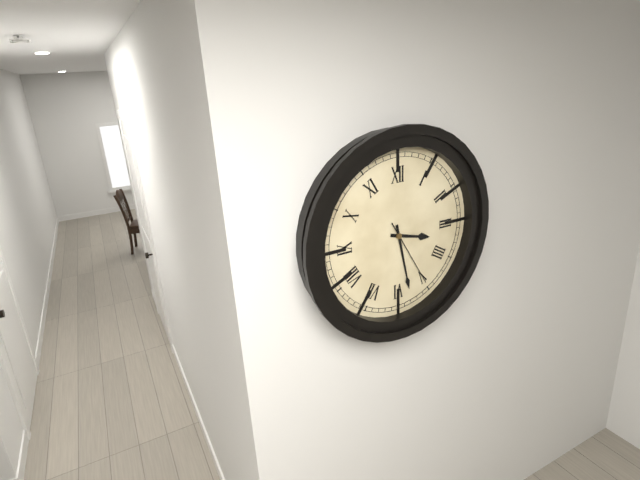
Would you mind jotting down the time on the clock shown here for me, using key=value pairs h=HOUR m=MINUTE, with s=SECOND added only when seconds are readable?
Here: h=3 m=28 s=25
